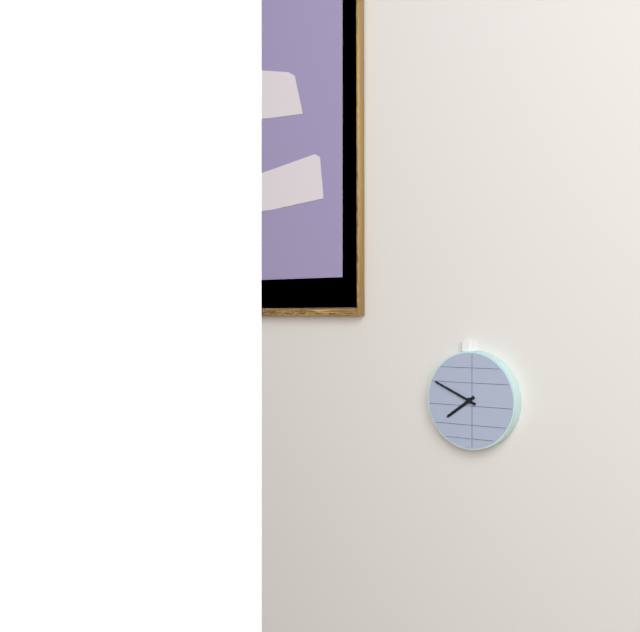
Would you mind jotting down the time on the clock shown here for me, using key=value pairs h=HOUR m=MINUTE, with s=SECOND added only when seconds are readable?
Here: h=7 m=49
